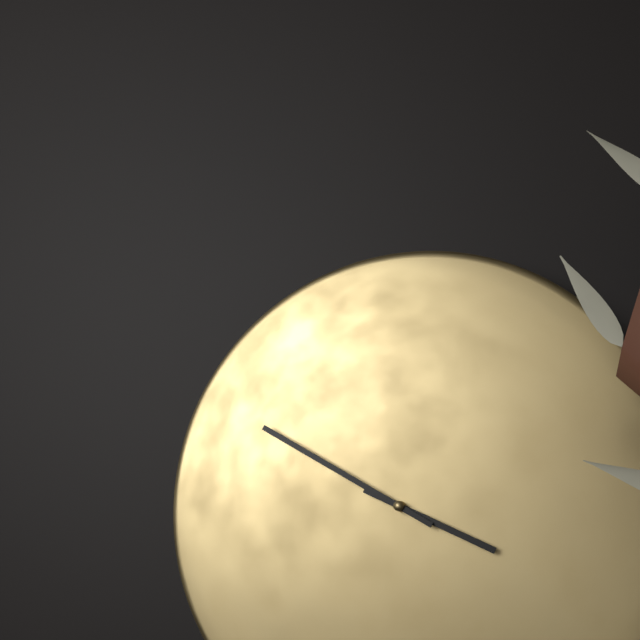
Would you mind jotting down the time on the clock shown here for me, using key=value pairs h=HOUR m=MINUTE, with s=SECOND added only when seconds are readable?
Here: h=3 m=50
